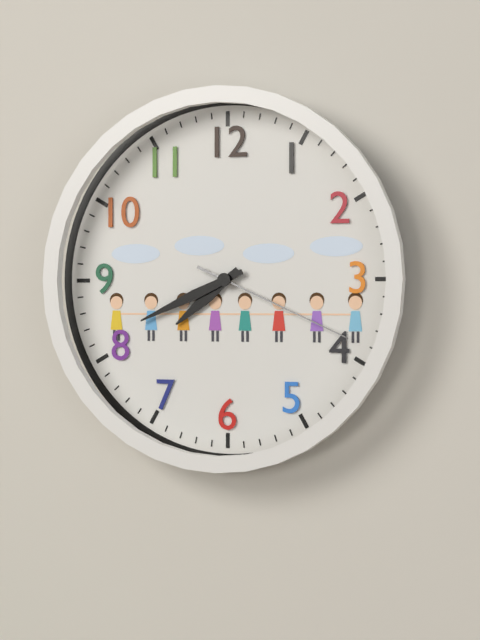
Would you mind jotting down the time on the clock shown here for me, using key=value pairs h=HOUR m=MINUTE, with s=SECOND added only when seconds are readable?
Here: h=7 m=41 s=19
